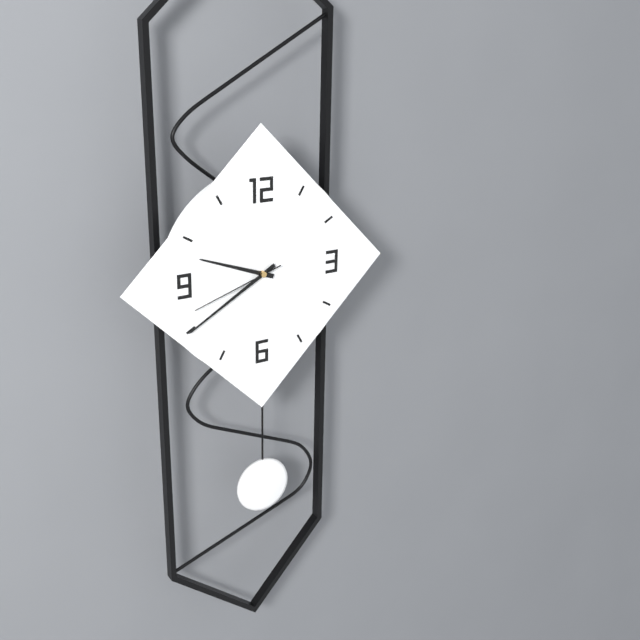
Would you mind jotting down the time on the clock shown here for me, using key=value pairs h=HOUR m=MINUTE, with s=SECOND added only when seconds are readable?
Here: h=9 m=40 s=42
